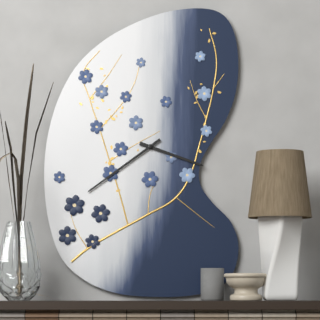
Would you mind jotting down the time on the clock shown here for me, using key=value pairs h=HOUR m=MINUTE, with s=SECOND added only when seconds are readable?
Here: h=3 m=39
